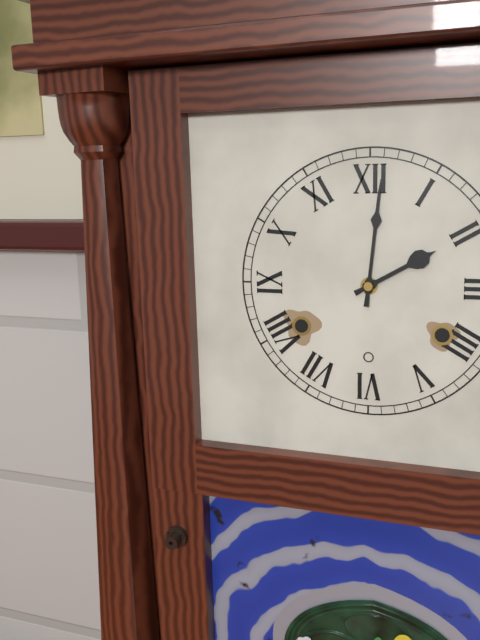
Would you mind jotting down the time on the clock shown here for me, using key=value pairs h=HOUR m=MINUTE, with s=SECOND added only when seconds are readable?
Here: h=2 m=1
